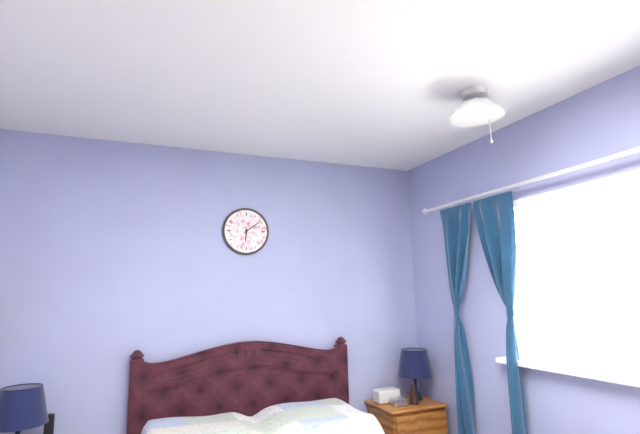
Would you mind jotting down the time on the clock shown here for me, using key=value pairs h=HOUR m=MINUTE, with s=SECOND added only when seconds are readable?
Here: h=6 m=9
